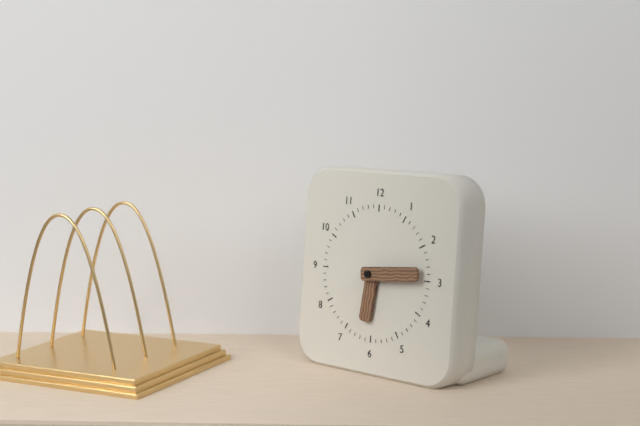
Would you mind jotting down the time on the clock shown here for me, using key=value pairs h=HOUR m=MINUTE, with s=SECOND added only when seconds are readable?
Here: h=6 m=14
